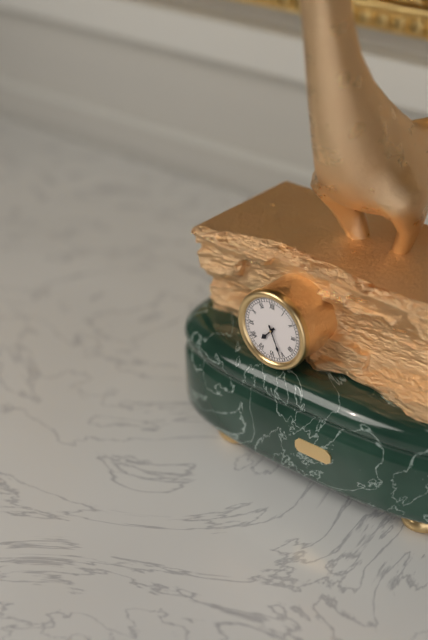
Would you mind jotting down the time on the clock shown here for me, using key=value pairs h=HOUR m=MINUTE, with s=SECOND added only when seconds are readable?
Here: h=7 m=26
